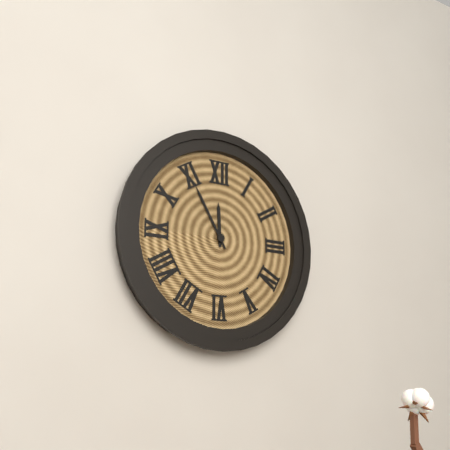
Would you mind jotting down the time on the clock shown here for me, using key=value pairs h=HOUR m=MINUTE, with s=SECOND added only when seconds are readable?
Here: h=11 m=55
